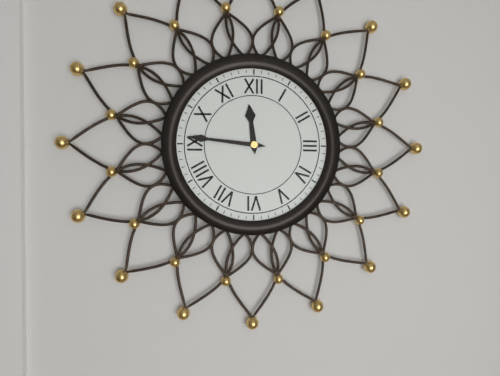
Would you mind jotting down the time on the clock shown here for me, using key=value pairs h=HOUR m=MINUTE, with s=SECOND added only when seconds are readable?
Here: h=11 m=46
